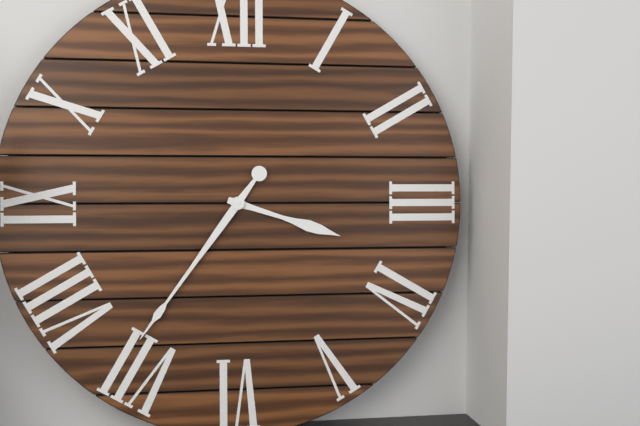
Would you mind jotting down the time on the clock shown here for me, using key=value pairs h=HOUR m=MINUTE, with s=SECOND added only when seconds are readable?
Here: h=3 m=36
